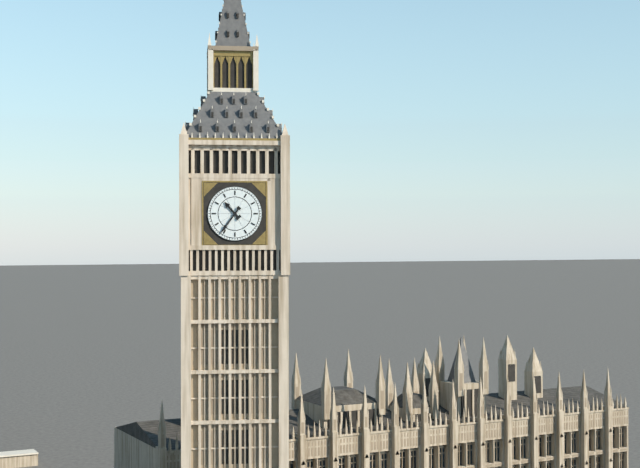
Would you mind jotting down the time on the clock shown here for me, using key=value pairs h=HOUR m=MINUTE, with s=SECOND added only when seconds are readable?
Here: h=10 m=36
